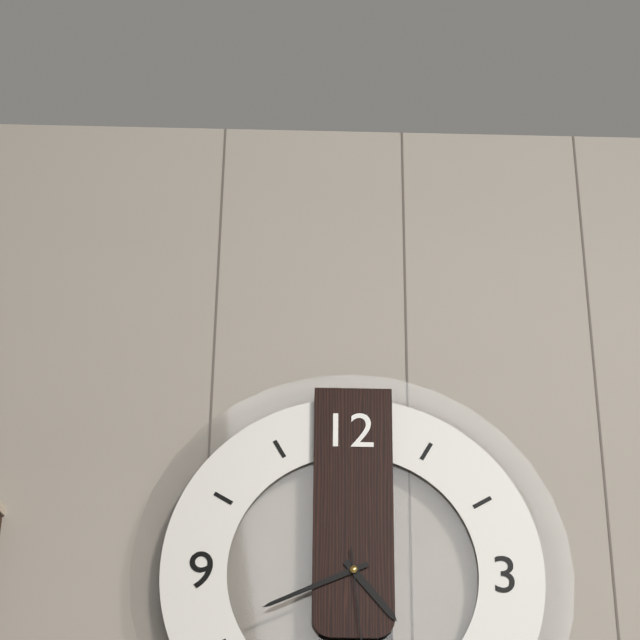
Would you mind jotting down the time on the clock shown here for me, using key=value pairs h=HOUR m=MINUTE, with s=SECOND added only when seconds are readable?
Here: h=4 m=41
